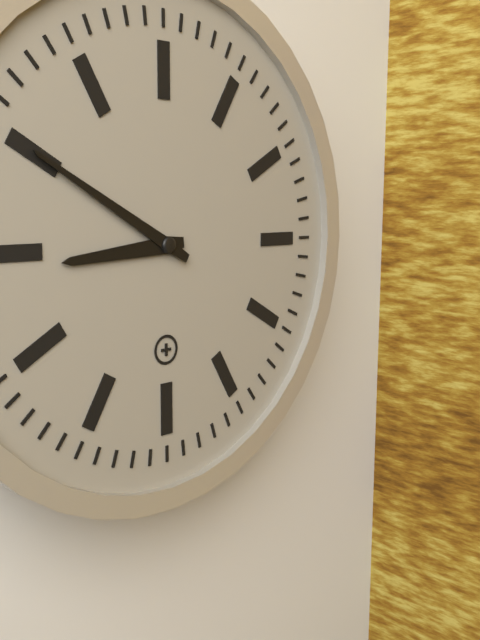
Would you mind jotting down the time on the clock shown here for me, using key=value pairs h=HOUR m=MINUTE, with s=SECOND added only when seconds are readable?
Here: h=8 m=50
